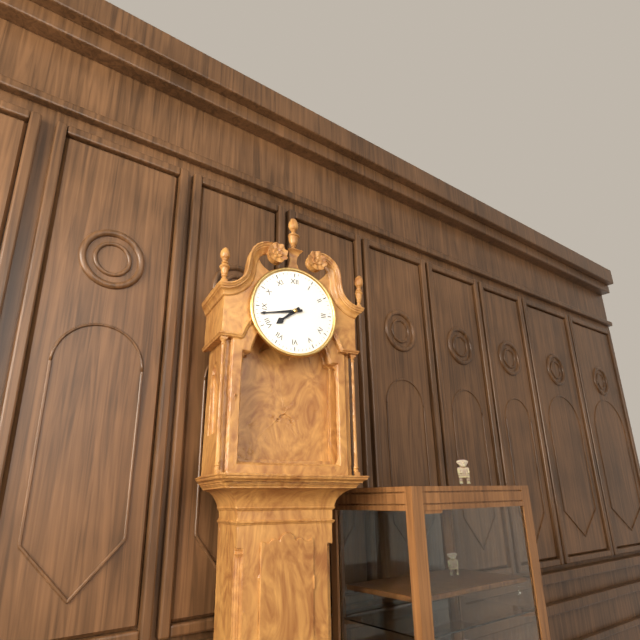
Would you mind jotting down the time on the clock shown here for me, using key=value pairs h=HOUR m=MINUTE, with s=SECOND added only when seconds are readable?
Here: h=7 m=43
